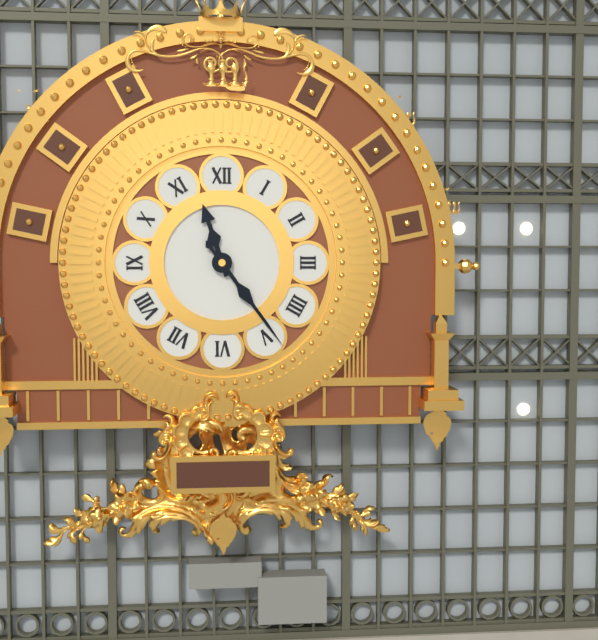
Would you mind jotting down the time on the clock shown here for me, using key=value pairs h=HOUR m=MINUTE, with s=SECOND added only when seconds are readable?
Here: h=11 m=24
